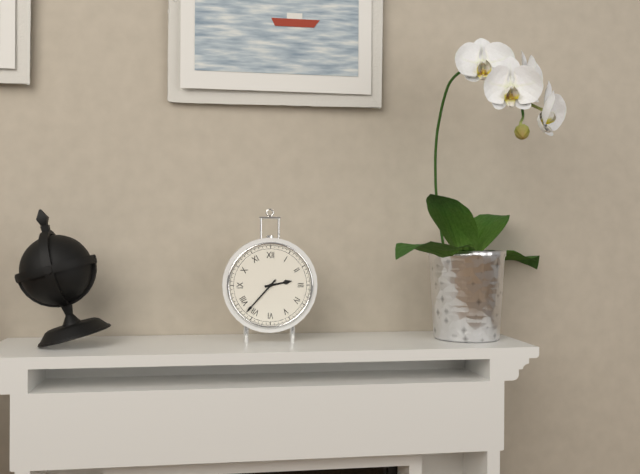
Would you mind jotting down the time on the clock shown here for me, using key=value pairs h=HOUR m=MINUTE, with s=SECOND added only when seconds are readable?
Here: h=2 m=37
